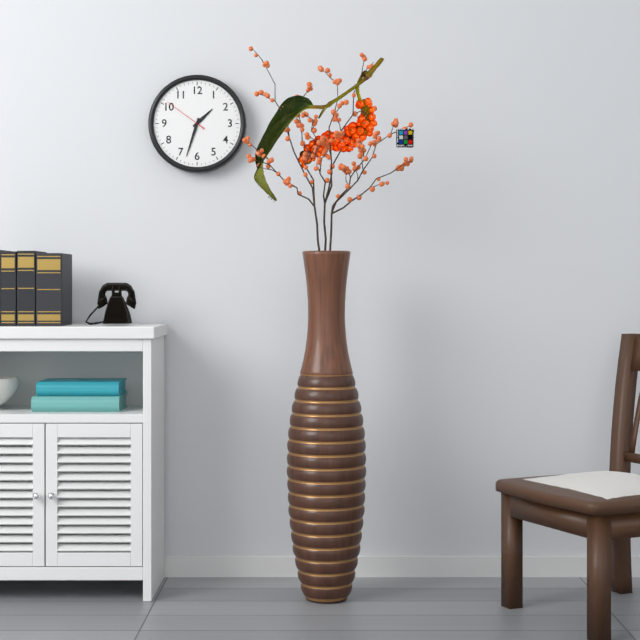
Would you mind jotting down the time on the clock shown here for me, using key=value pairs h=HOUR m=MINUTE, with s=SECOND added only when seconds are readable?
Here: h=1 m=33
